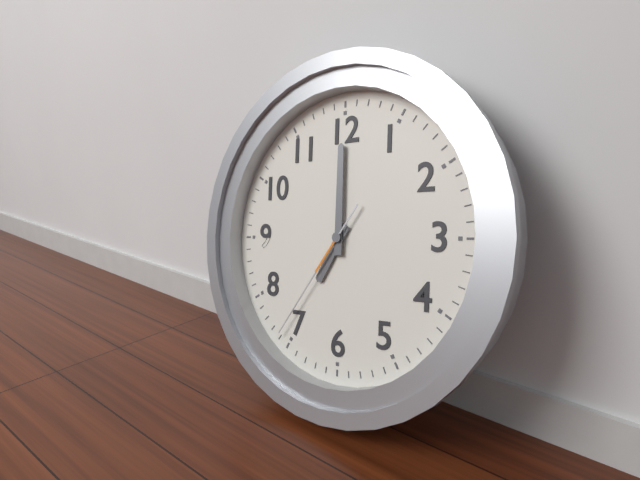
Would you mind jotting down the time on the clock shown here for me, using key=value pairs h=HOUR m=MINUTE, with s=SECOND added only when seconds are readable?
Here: h=7 m=0 s=36
